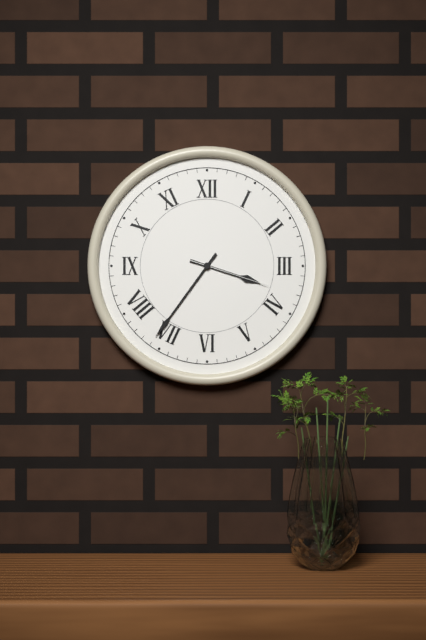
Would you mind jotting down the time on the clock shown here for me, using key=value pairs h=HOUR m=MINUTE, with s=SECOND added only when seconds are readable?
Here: h=3 m=36 s=18
